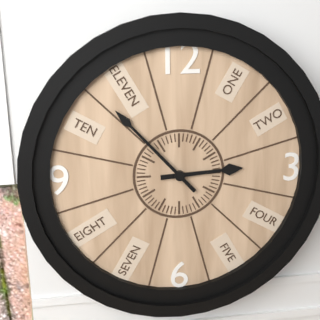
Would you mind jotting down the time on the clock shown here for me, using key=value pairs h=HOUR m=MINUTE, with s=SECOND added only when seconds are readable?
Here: h=2 m=53
